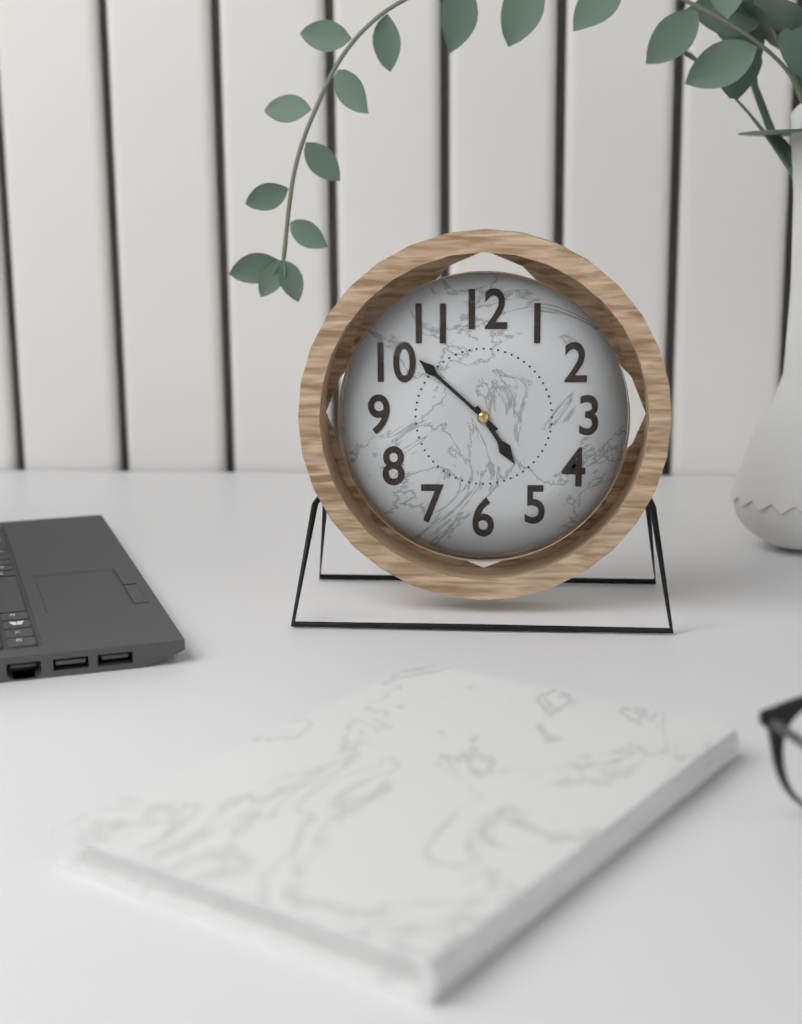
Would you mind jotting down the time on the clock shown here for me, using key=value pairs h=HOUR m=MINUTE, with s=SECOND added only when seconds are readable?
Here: h=4 m=52
